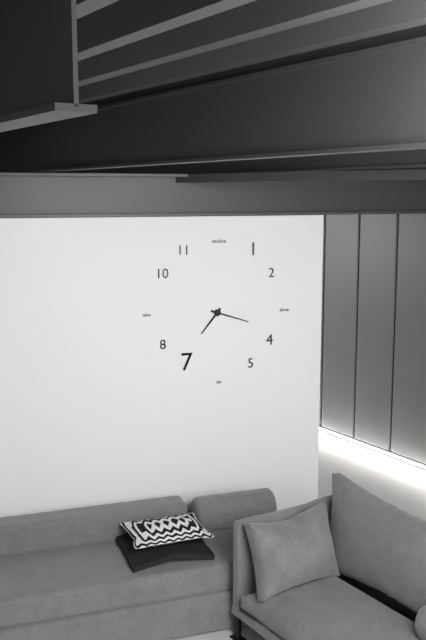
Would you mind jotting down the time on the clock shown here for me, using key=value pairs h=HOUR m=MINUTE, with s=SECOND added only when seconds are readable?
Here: h=7 m=18
